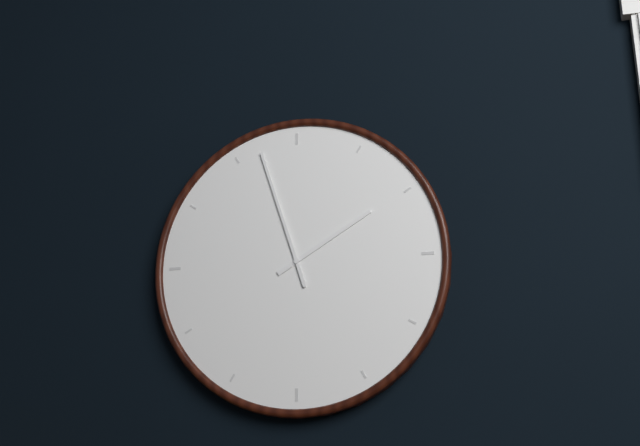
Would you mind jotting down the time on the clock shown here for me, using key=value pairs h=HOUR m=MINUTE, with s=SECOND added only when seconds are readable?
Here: h=1 m=57
